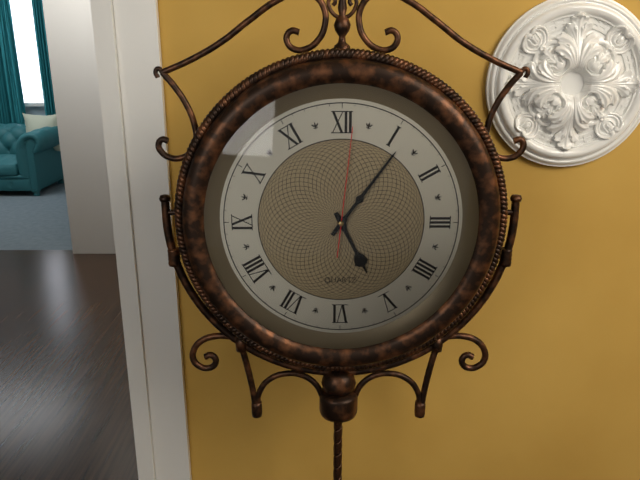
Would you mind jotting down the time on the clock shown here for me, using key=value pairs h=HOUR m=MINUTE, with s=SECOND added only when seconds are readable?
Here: h=5 m=6 s=1
